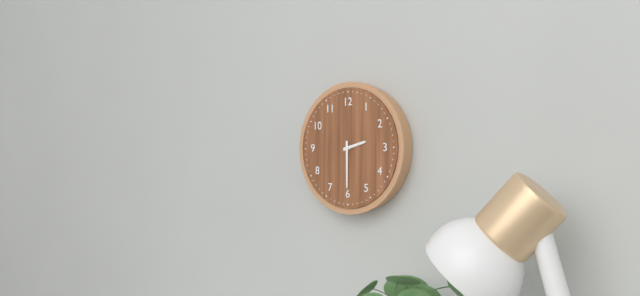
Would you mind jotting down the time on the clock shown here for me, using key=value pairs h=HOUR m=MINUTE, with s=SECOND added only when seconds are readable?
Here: h=2 m=30
